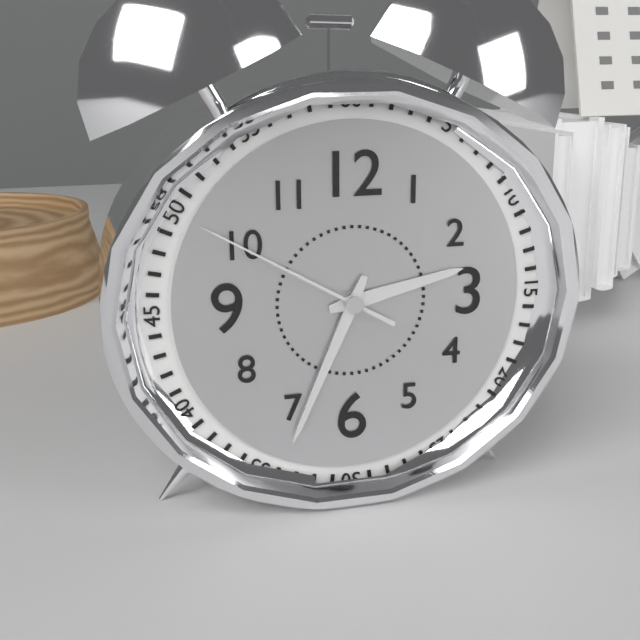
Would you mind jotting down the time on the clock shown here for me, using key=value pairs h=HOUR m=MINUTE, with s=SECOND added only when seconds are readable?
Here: h=2 m=34 s=50
